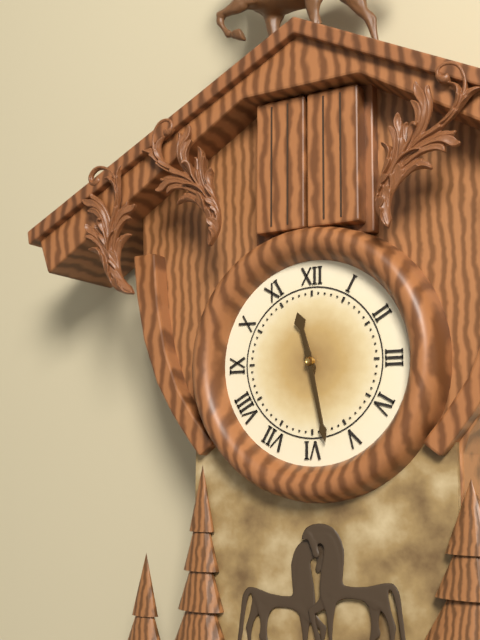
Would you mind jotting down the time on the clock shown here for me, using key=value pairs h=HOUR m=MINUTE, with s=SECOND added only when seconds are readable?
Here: h=11 m=28
